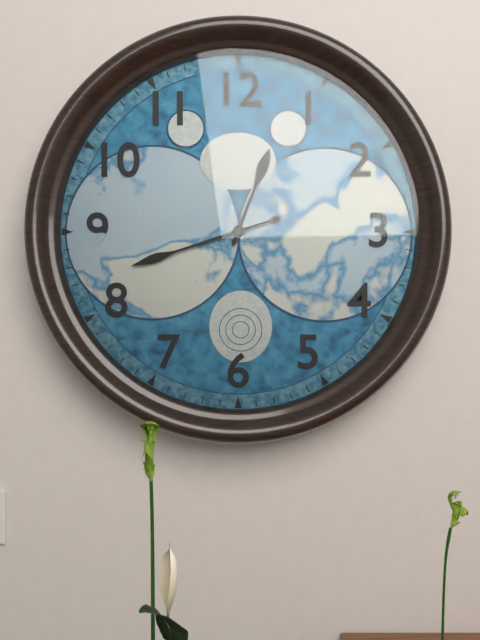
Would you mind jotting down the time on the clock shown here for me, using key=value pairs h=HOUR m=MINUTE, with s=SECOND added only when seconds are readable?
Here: h=12 m=42
